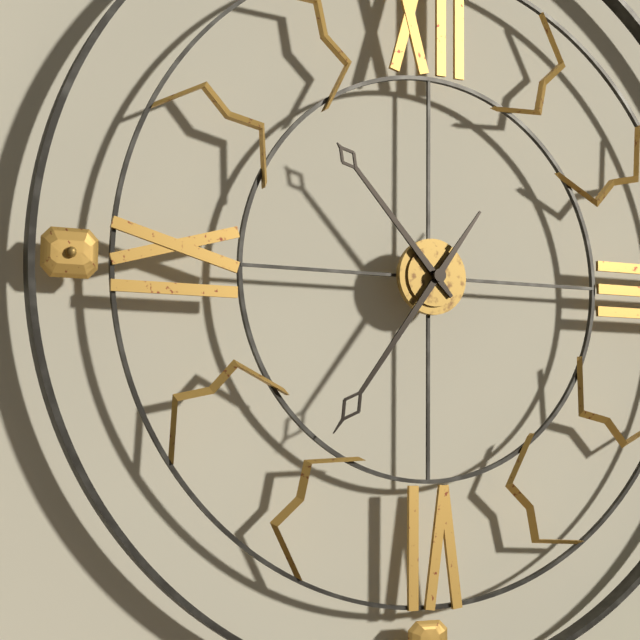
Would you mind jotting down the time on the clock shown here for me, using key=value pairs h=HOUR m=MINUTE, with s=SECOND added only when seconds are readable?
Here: h=10 m=36
